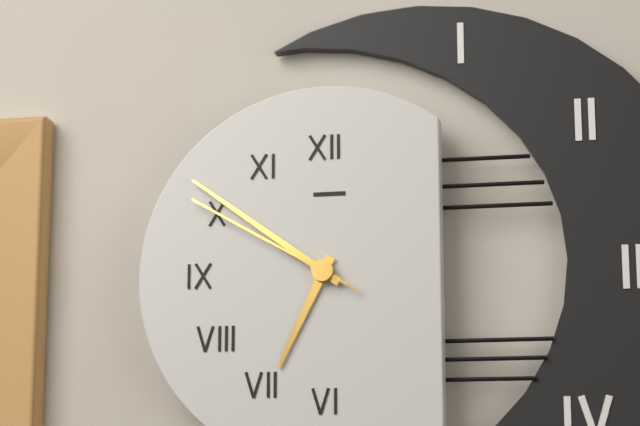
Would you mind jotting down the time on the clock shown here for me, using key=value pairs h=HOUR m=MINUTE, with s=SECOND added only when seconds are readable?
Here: h=6 m=51 s=50
